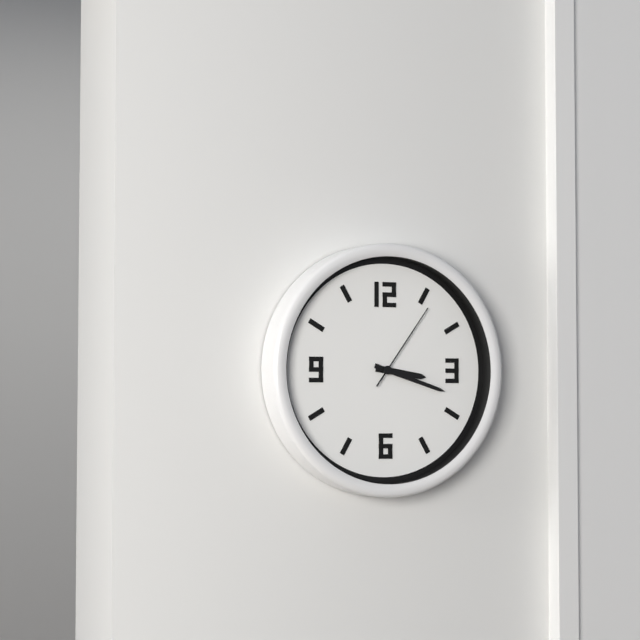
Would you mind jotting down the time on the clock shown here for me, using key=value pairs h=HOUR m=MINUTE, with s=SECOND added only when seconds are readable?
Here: h=3 m=18 s=6
